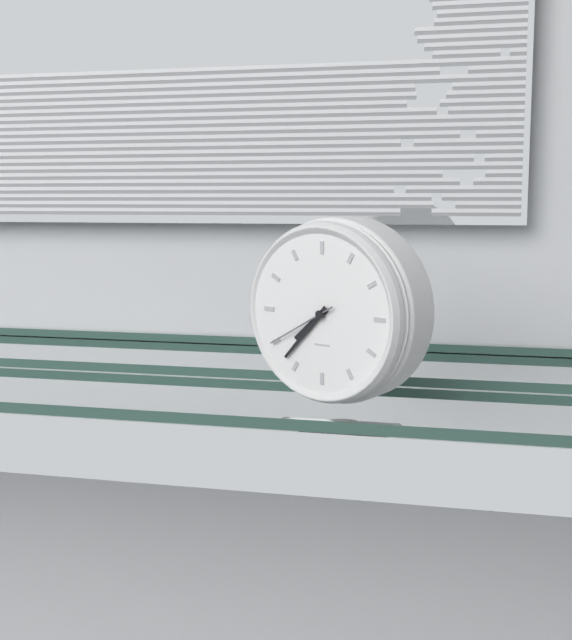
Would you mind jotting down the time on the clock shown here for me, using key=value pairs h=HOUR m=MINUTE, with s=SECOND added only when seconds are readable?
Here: h=7 m=37 s=40
